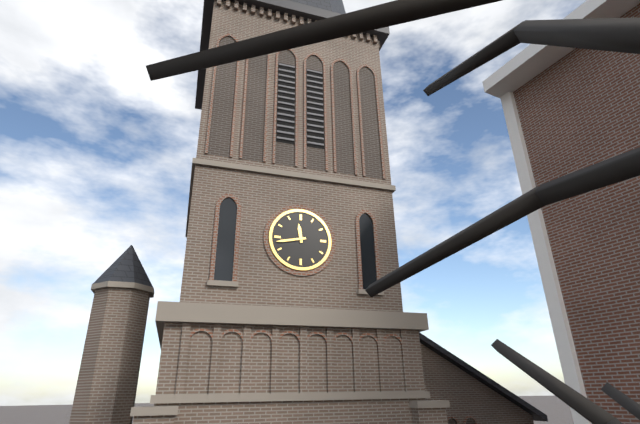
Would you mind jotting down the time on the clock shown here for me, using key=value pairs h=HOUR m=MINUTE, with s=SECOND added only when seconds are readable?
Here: h=11 m=43
